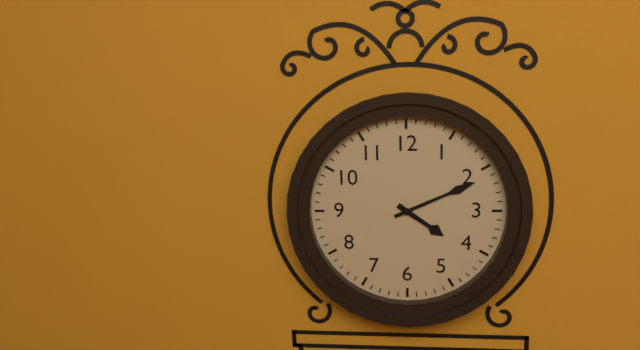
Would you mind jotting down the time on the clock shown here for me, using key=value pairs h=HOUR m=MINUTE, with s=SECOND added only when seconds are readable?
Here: h=4 m=11
